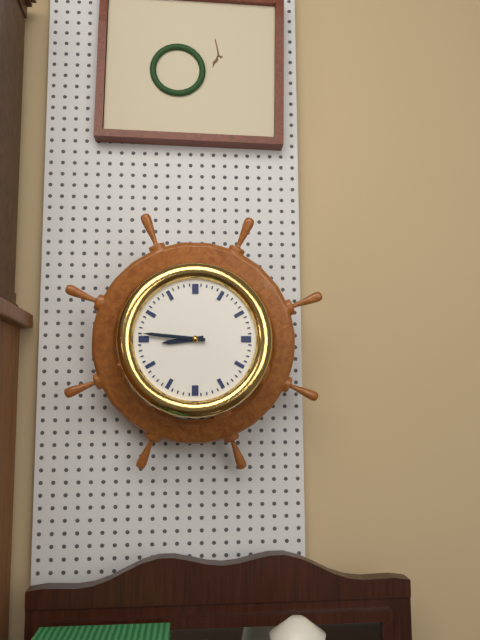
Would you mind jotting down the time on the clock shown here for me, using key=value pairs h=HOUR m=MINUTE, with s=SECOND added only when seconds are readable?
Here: h=8 m=46
